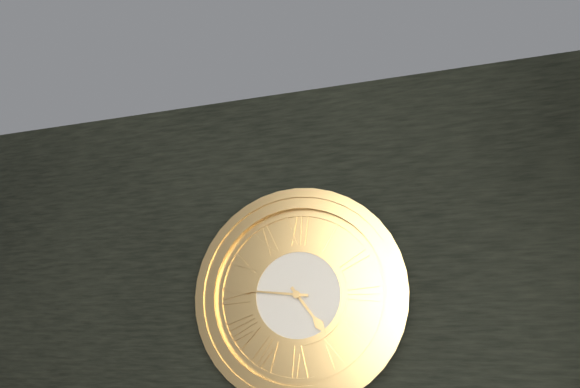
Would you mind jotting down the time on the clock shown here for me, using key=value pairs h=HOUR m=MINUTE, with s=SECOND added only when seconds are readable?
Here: h=4 m=46
